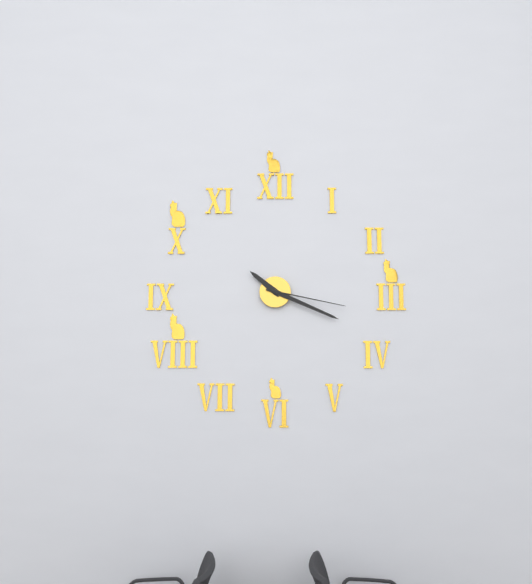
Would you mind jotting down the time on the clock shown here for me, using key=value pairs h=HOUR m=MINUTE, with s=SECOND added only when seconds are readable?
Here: h=10 m=19 s=17
